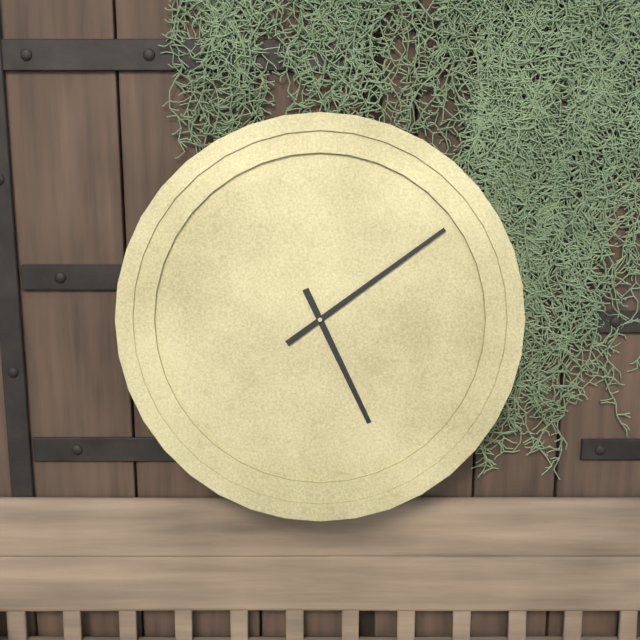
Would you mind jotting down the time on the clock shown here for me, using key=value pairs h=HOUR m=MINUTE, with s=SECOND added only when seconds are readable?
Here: h=5 m=9
